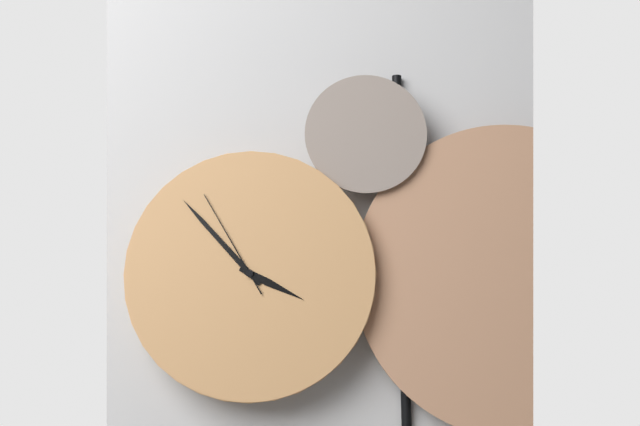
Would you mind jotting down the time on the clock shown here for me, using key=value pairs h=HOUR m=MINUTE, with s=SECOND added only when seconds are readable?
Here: h=3 m=53 s=55
